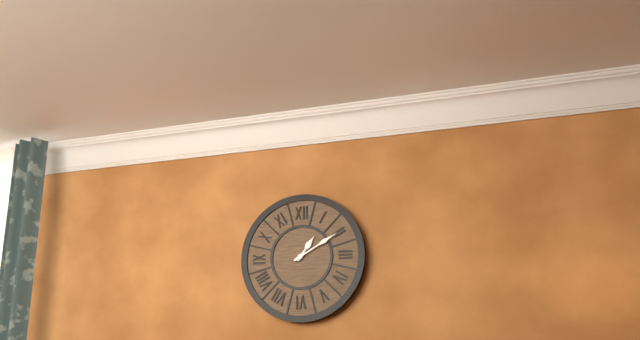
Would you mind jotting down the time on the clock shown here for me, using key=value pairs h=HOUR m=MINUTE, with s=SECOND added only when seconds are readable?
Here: h=1 m=10
